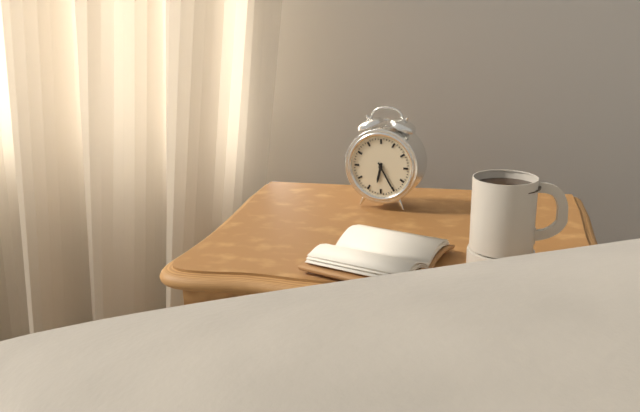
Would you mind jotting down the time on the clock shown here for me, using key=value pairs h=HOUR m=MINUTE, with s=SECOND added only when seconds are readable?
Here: h=6 m=25
